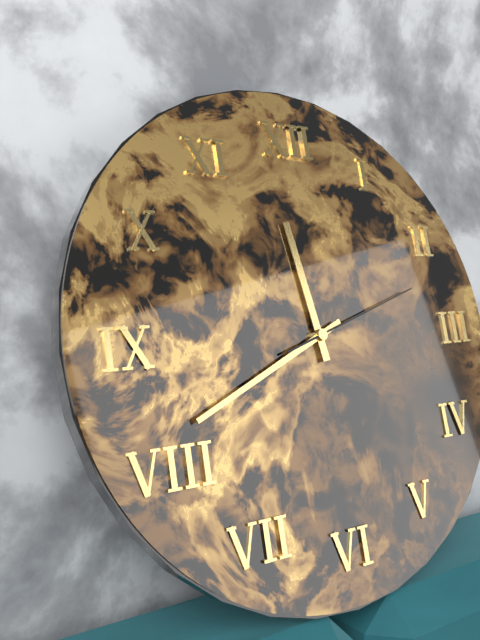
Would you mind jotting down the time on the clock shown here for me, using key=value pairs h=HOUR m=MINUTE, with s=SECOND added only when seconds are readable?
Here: h=11 m=41 s=12
